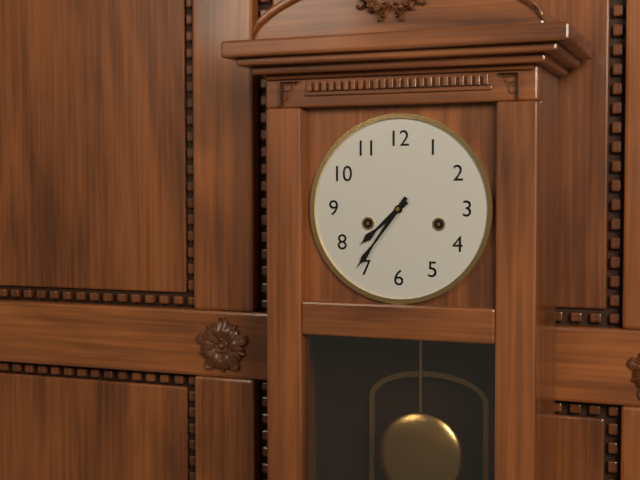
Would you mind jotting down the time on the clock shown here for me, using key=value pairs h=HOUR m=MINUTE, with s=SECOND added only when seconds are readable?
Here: h=7 m=36
